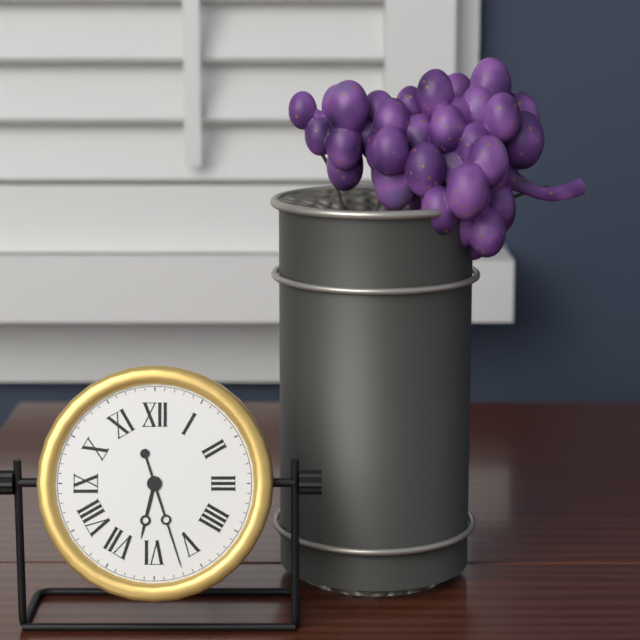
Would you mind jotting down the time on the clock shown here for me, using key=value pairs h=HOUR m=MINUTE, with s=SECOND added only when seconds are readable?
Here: h=6 m=27
